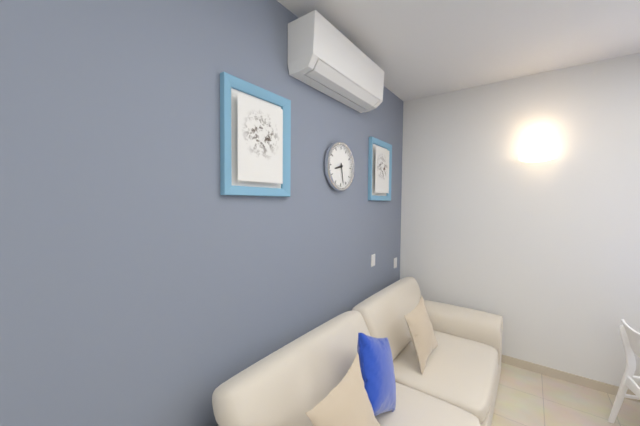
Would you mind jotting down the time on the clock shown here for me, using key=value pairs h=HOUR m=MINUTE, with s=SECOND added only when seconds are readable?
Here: h=8 m=28
